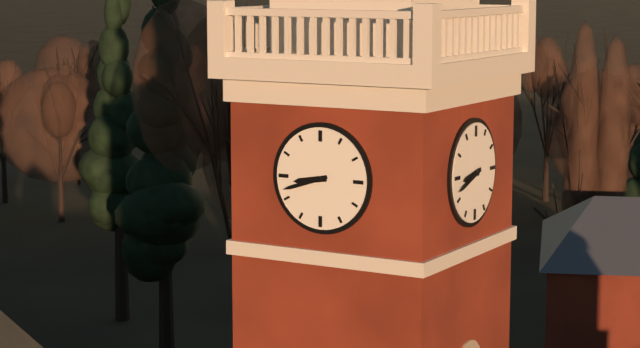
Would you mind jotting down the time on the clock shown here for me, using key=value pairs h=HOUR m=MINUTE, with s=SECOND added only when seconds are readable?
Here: h=8 m=42
